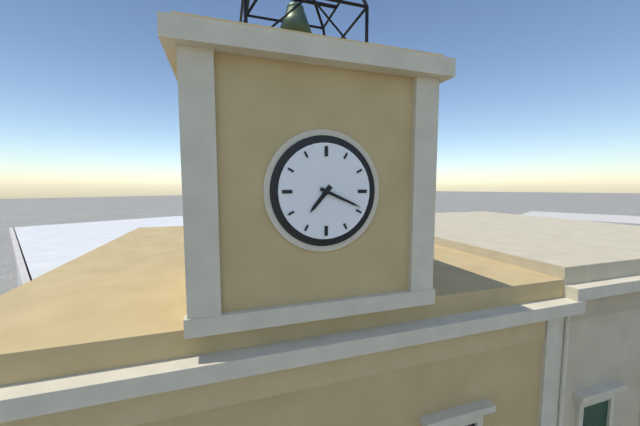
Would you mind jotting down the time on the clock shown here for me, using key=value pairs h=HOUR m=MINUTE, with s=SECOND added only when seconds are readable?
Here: h=7 m=19
